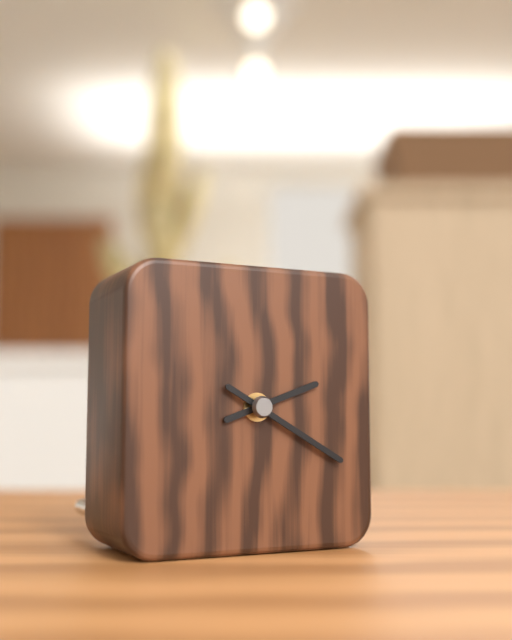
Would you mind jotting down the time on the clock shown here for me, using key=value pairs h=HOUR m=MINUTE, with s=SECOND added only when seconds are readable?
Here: h=2 m=20
